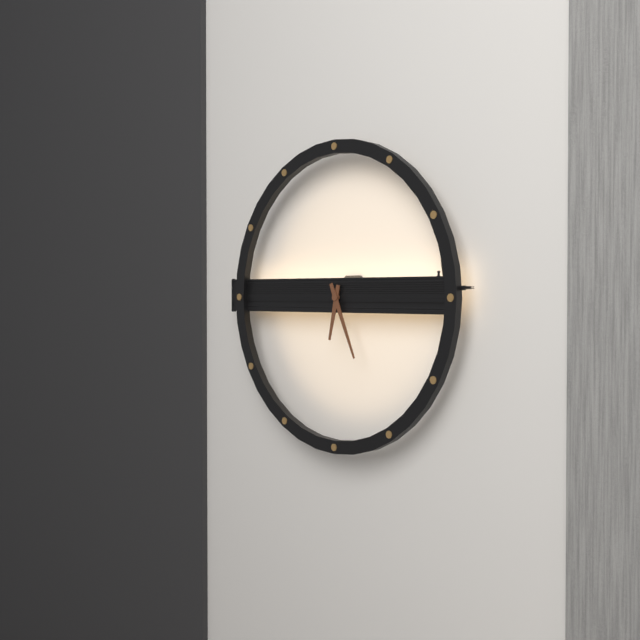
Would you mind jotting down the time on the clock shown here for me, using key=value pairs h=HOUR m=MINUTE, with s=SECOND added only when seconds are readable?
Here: h=6 m=26
